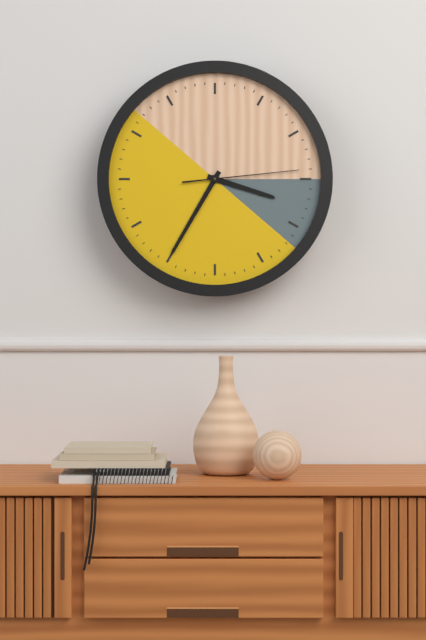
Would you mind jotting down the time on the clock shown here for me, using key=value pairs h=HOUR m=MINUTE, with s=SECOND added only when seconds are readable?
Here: h=3 m=35 s=14
